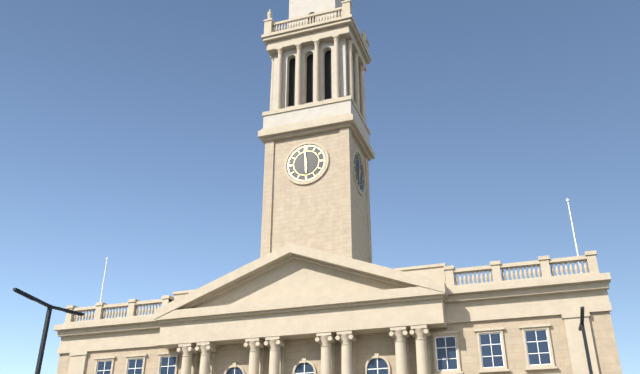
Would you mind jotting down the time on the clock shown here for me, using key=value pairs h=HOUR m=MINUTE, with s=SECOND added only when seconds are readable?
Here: h=5 m=59
